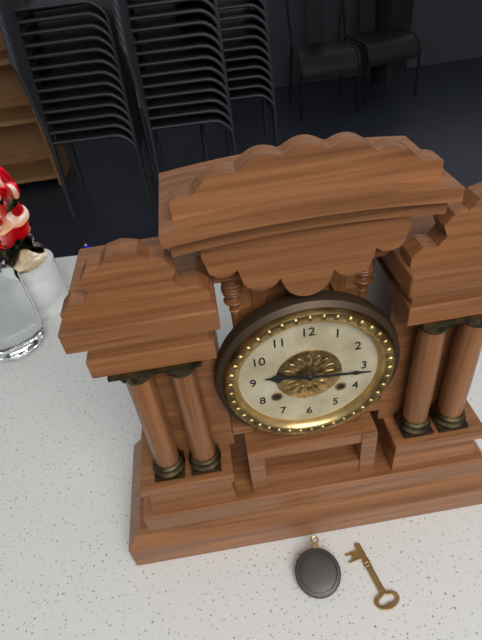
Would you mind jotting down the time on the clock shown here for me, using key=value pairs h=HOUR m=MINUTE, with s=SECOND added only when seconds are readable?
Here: h=9 m=16
